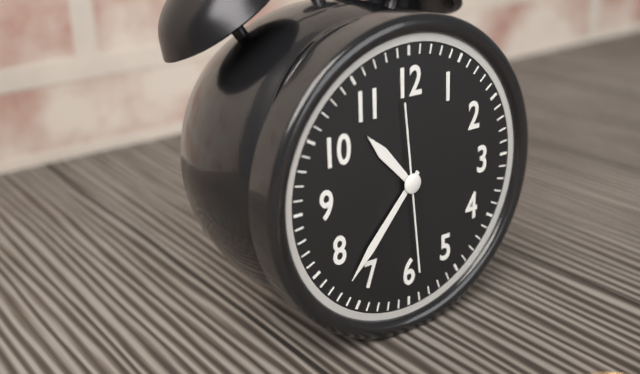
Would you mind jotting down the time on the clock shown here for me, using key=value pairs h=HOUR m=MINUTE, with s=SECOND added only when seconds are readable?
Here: h=10 m=37 s=29
